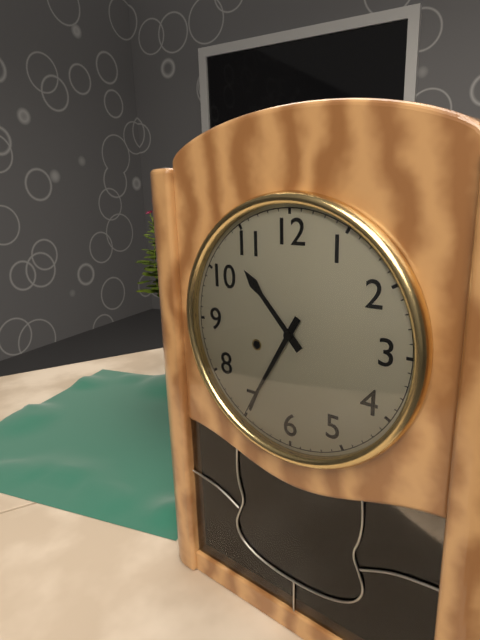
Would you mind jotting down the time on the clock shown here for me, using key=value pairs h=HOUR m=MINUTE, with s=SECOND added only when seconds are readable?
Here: h=10 m=35
